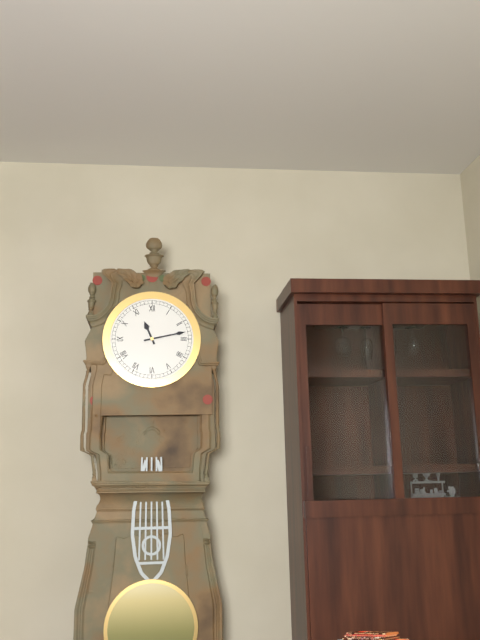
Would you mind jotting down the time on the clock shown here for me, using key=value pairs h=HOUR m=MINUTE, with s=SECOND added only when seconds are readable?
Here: h=11 m=13
